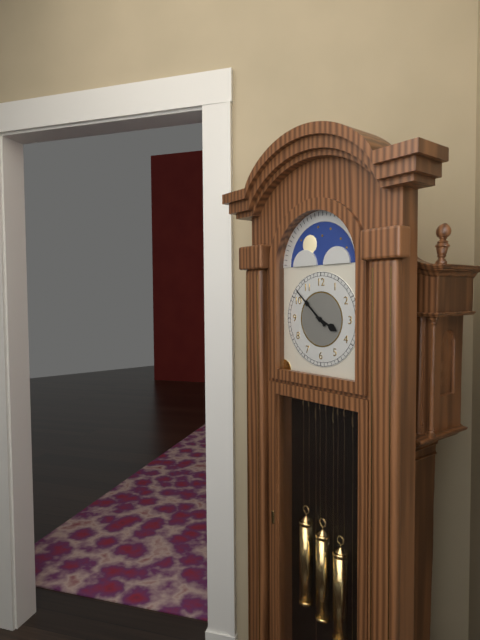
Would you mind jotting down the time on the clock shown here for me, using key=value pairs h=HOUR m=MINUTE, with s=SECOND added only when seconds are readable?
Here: h=3 m=52
